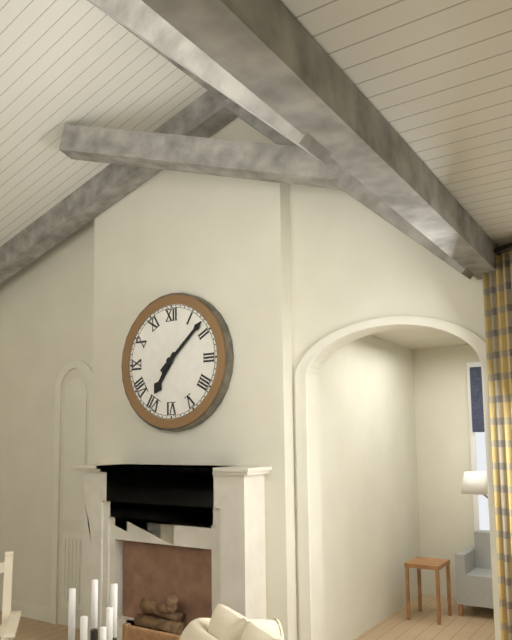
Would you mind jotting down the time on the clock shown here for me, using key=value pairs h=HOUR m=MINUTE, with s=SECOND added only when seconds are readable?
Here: h=7 m=8
